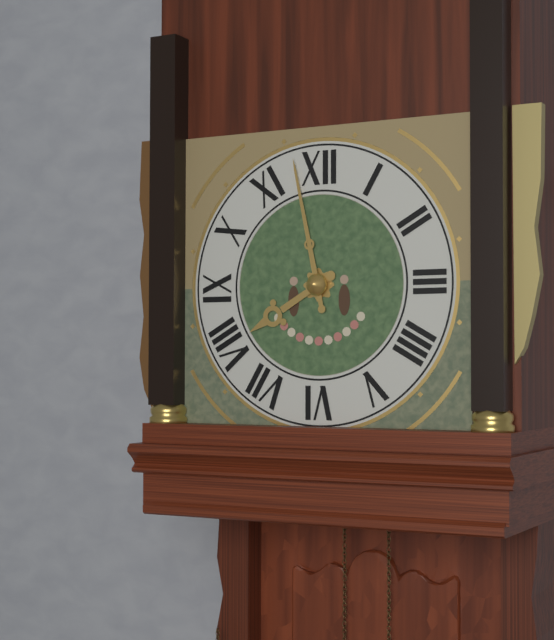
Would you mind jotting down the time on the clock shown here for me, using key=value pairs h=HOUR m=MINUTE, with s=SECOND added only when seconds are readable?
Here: h=7 m=58
